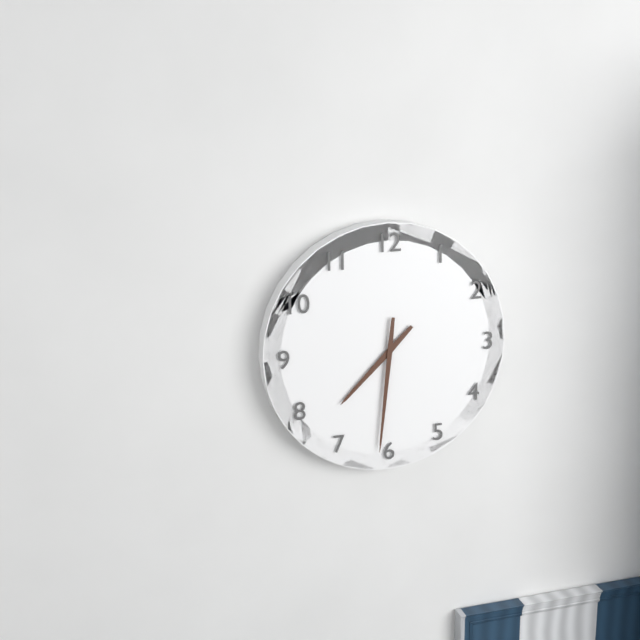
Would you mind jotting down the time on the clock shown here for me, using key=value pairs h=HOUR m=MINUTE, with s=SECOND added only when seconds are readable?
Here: h=7 m=31
